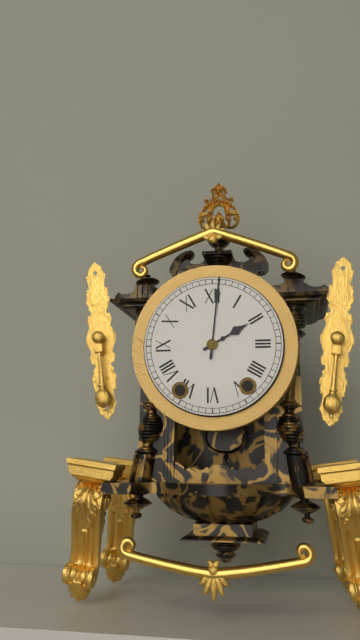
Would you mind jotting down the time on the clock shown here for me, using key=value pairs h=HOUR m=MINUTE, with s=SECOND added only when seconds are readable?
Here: h=2 m=1
